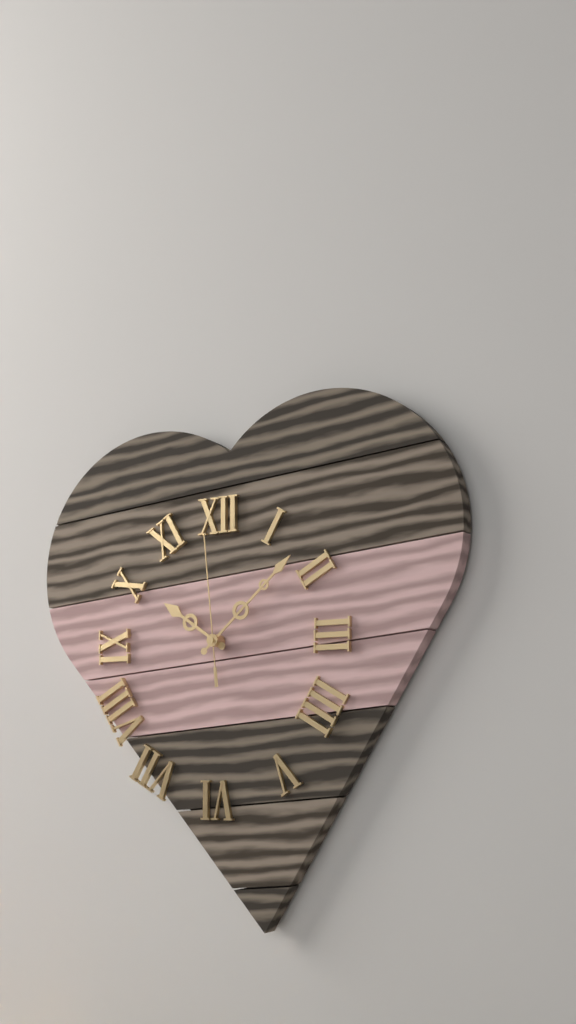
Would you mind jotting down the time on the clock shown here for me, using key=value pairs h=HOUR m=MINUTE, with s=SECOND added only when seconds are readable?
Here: h=10 m=8 s=59
